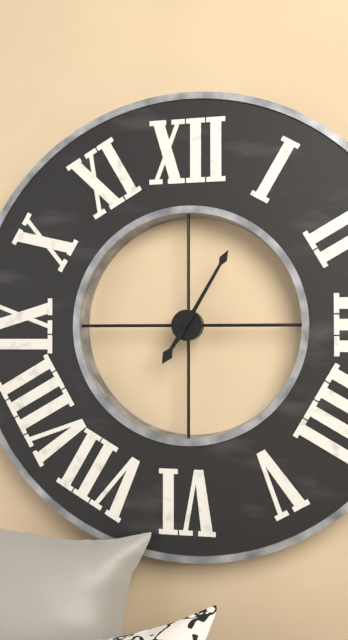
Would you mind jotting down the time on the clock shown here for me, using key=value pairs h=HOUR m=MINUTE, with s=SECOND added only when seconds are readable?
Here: h=7 m=5
